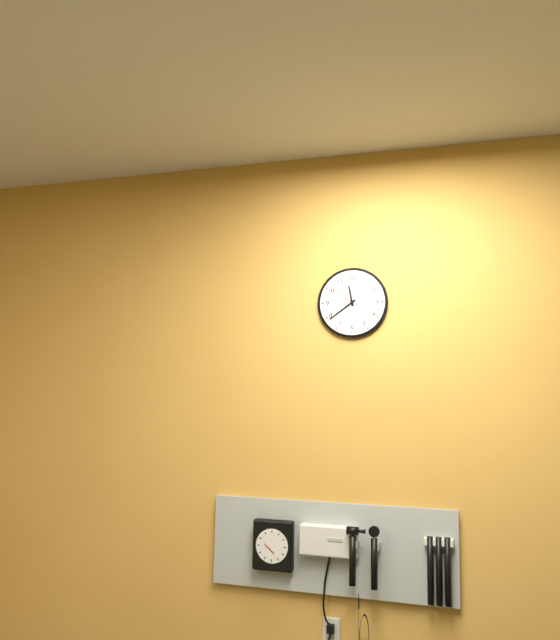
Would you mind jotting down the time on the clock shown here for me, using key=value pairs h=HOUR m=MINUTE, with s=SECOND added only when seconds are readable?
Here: h=11 m=39
